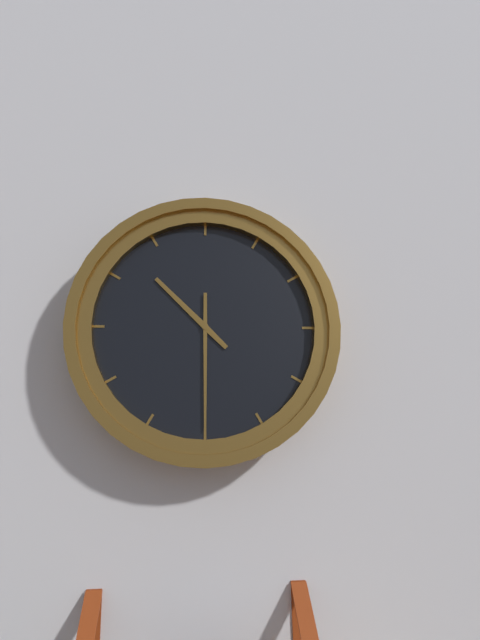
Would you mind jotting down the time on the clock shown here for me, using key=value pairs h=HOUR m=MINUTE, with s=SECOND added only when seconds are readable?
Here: h=10 m=30
